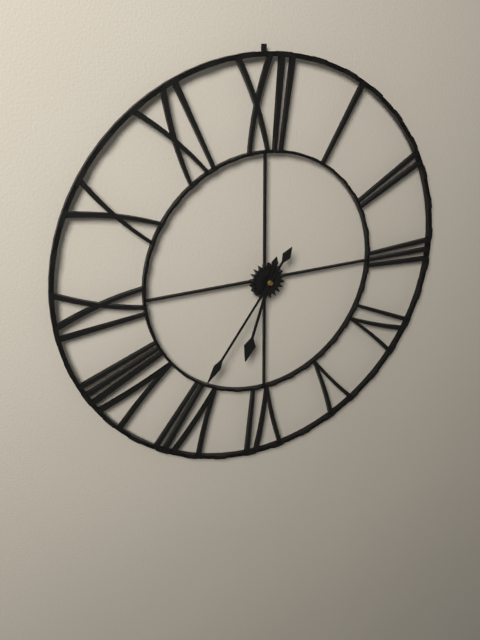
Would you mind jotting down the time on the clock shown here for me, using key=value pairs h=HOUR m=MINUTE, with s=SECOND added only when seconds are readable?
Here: h=6 m=36
